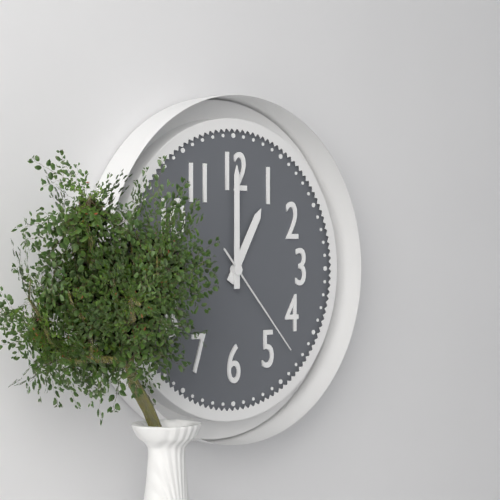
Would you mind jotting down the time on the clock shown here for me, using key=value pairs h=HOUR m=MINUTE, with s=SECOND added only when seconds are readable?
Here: h=1 m=0 s=23
